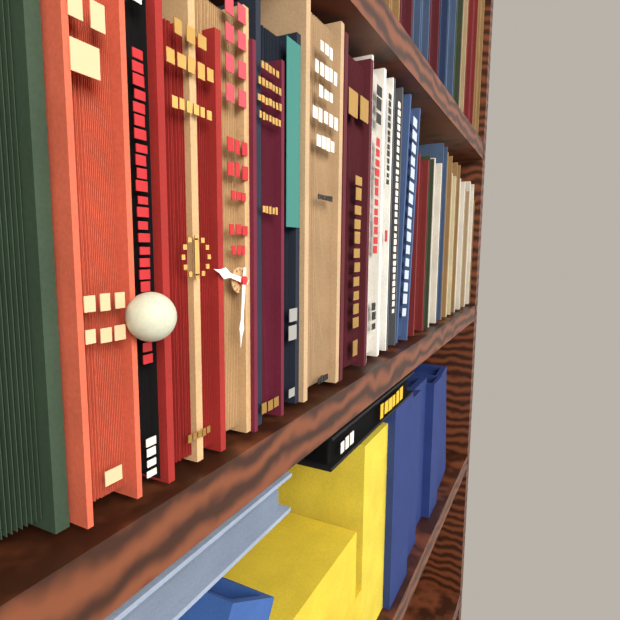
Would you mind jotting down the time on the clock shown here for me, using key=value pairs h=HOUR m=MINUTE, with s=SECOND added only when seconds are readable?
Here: h=9 m=31
